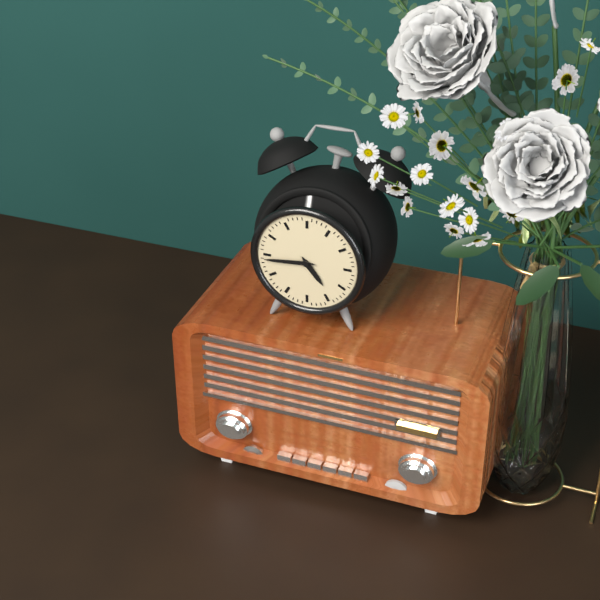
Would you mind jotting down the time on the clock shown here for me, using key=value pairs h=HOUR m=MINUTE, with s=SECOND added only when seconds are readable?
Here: h=4 m=44
